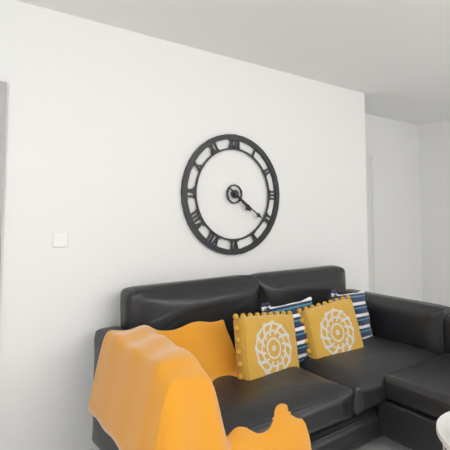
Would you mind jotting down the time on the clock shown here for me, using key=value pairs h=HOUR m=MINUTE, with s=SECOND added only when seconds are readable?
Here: h=4 m=21
